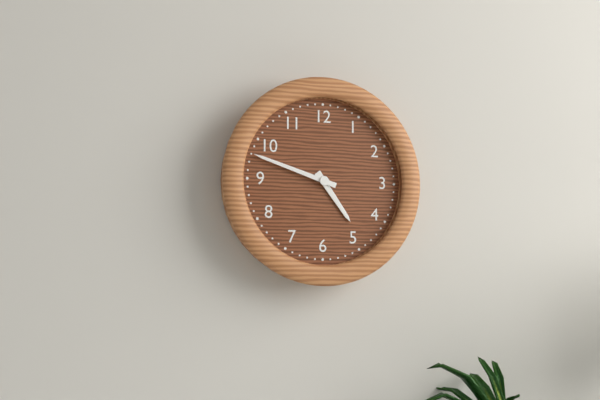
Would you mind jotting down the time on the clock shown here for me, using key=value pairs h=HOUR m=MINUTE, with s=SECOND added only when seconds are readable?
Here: h=4 m=48
